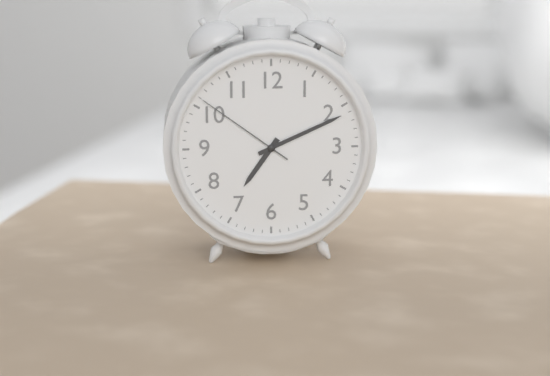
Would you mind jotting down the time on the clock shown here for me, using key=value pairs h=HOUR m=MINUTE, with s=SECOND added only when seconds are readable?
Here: h=7 m=11 s=51
